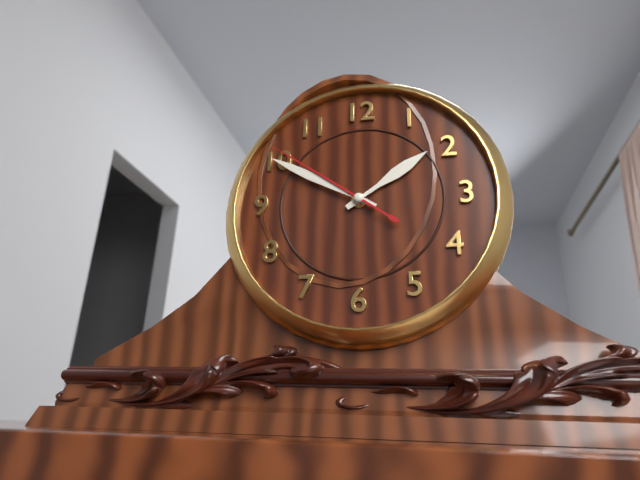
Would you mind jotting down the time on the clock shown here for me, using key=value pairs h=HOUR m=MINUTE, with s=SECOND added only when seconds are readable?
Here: h=1 m=50 s=51
